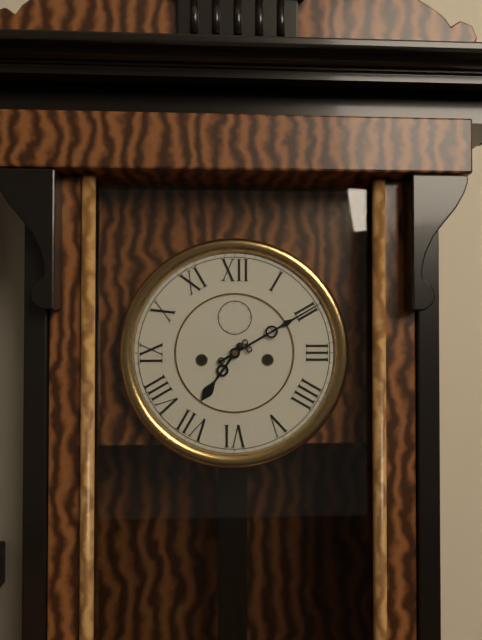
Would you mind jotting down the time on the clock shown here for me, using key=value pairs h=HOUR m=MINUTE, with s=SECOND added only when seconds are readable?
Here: h=7 m=10
